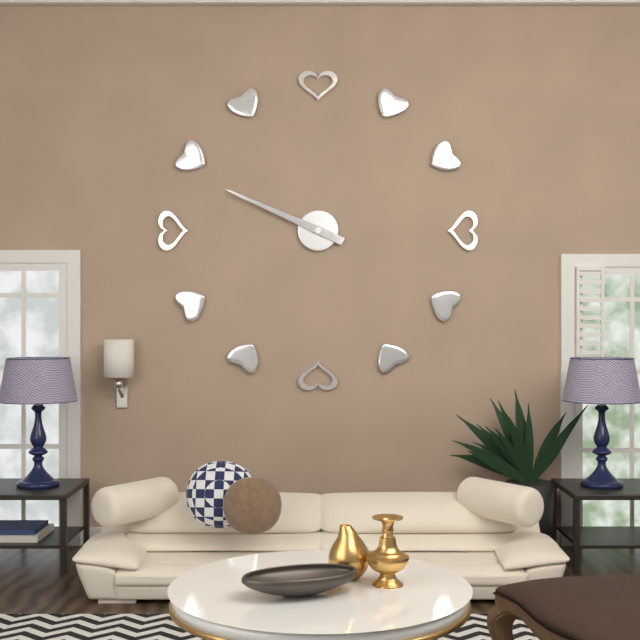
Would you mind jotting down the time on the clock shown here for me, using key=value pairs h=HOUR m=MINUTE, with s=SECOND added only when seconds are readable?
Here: h=9 m=49
